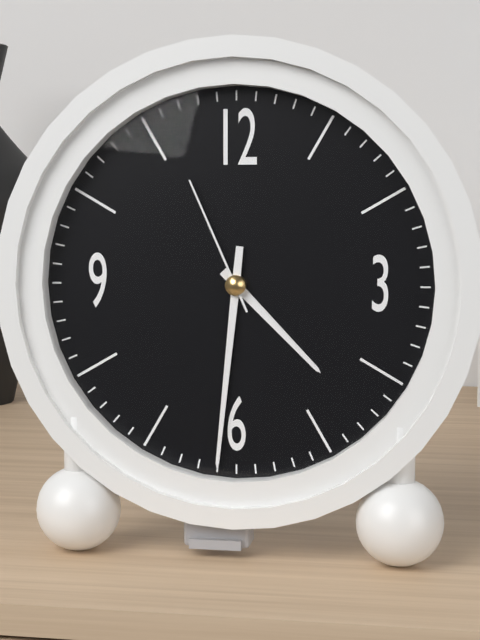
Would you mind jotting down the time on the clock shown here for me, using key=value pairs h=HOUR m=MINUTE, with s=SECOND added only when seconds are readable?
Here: h=4 m=31 s=56
